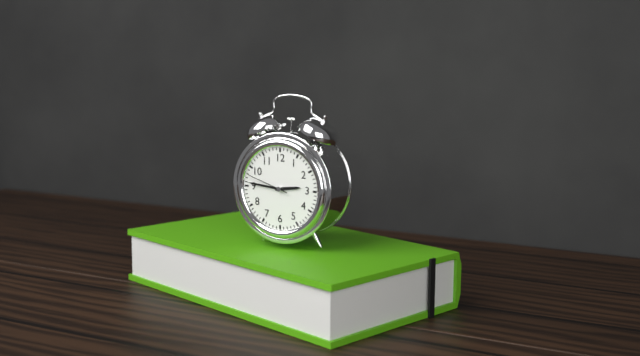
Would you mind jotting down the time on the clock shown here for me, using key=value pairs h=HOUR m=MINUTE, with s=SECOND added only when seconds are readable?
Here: h=2 m=46
